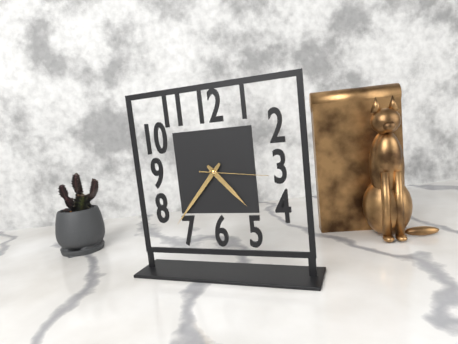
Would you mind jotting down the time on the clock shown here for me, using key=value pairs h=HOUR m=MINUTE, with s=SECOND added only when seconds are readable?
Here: h=4 m=37 s=16
